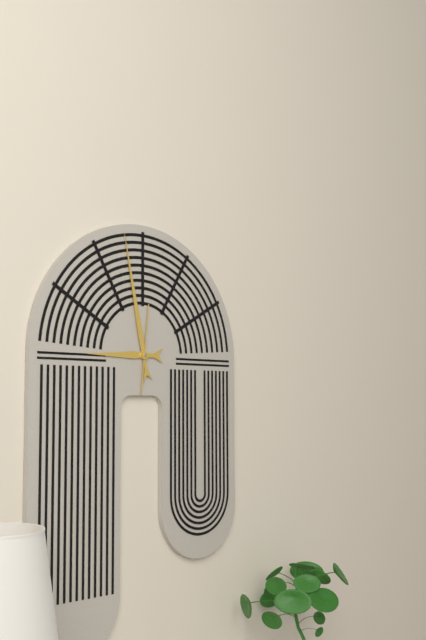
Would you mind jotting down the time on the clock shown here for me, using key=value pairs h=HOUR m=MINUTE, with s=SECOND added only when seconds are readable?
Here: h=8 m=58 s=1
